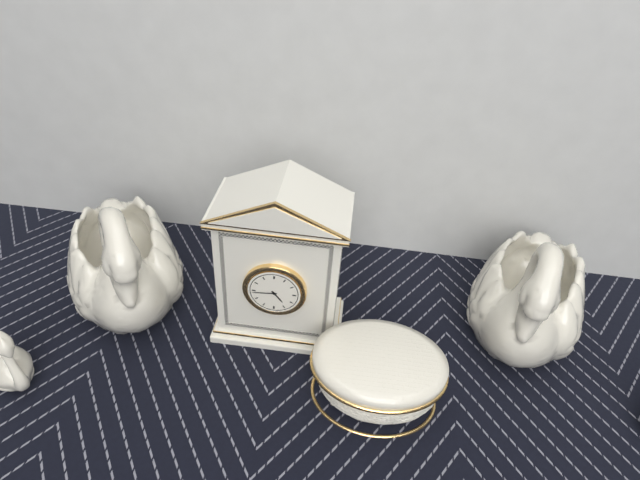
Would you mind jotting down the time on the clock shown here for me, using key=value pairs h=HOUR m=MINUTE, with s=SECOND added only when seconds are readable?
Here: h=4 m=44
